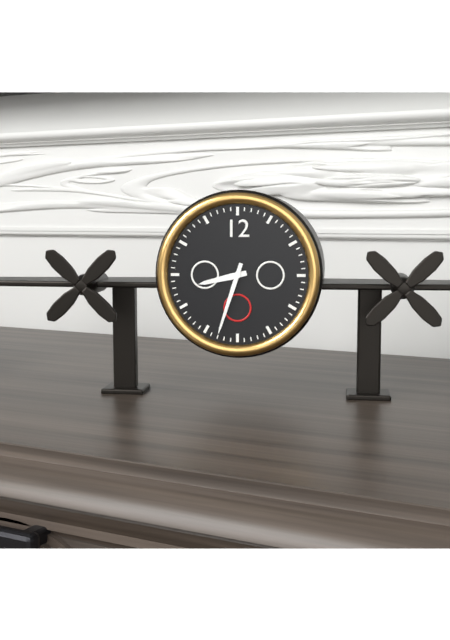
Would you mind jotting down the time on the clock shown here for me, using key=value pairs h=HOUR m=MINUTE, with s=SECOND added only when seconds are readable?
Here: h=8 m=33
